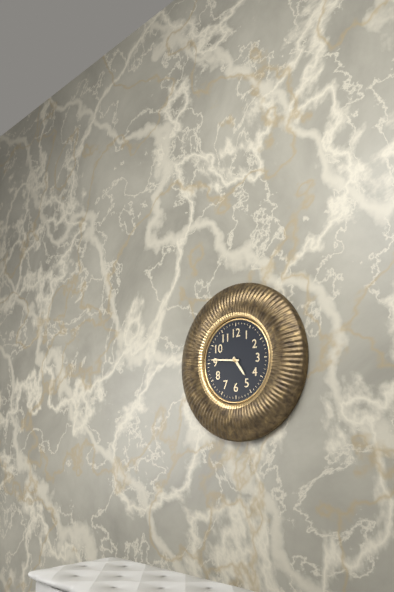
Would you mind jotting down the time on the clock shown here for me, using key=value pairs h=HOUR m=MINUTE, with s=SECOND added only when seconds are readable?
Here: h=4 m=46
